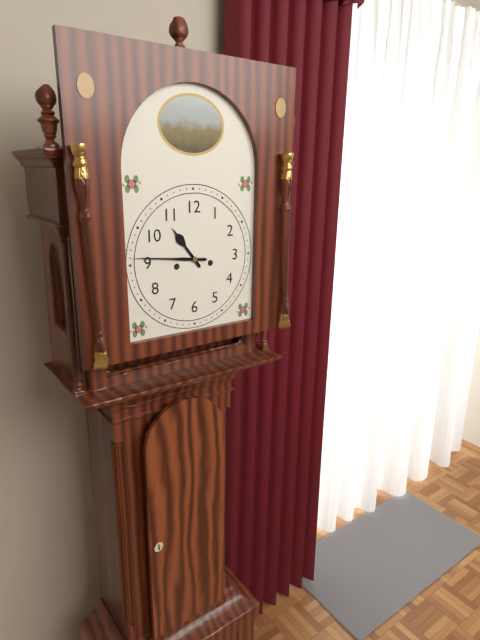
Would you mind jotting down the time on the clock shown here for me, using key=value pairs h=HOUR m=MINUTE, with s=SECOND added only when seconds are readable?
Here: h=10 m=46
